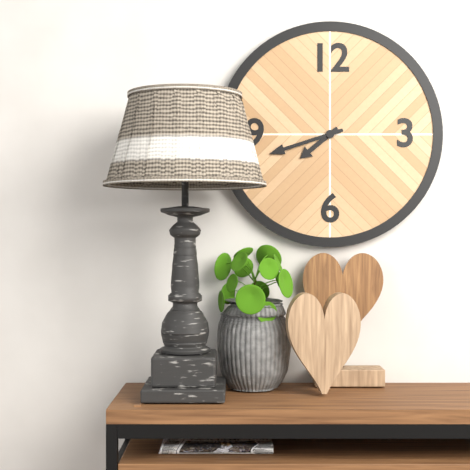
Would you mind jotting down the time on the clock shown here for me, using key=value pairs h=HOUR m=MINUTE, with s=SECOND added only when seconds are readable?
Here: h=7 m=42
